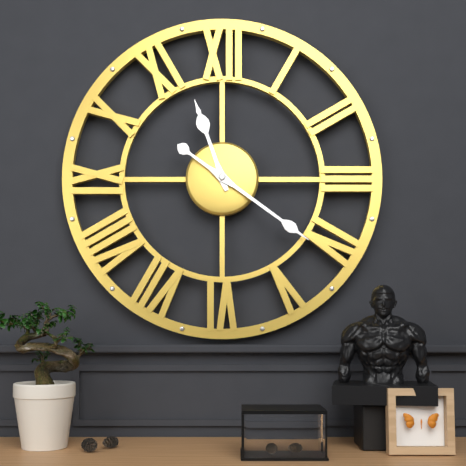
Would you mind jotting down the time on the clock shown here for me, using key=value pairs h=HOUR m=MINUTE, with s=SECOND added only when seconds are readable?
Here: h=11 m=21
